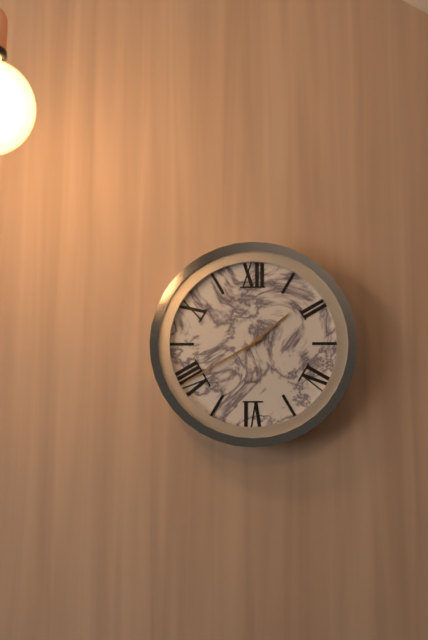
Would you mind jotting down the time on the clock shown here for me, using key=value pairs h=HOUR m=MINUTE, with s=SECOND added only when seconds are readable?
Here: h=1 m=40
